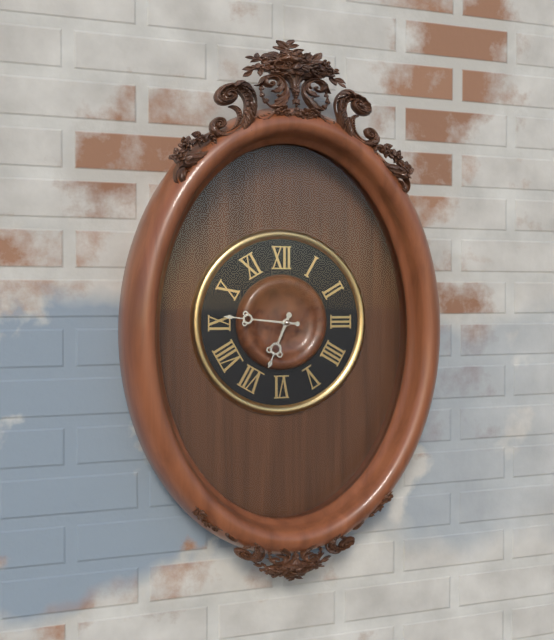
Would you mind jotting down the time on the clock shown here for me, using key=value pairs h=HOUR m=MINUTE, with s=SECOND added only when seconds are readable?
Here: h=6 m=46
